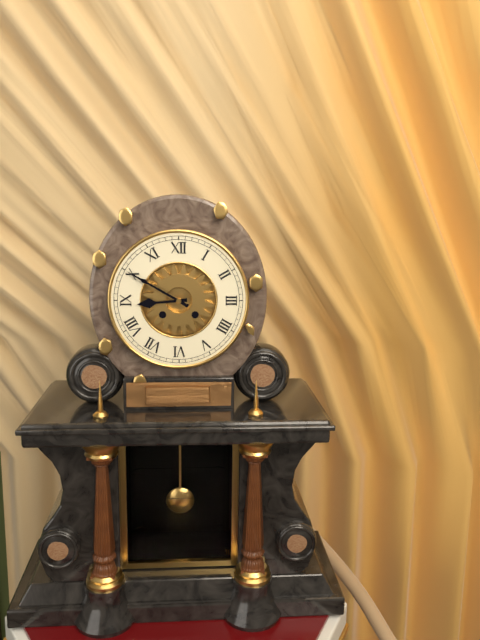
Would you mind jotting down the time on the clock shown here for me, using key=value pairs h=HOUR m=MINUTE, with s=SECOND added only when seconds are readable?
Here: h=8 m=50
